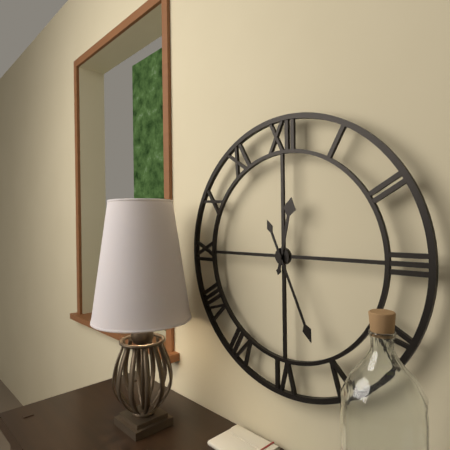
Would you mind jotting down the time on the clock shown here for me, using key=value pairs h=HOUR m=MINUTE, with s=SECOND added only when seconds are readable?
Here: h=12 m=26
